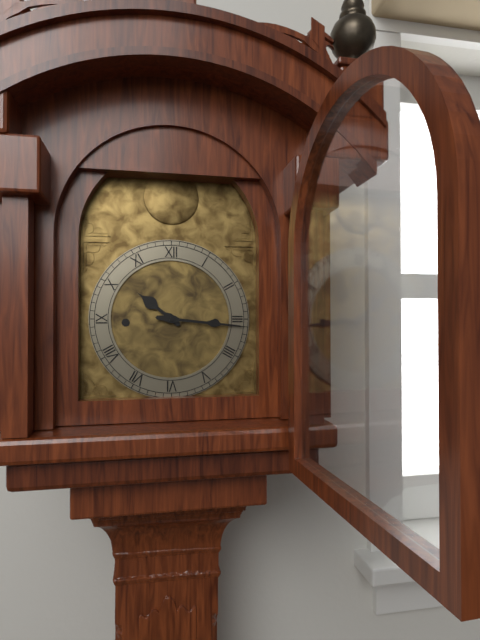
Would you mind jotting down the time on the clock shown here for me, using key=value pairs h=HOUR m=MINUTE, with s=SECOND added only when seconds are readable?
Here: h=10 m=16
